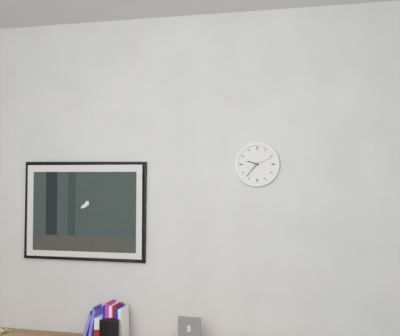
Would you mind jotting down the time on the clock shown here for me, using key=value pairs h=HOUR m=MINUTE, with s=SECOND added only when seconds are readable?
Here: h=9 m=37
